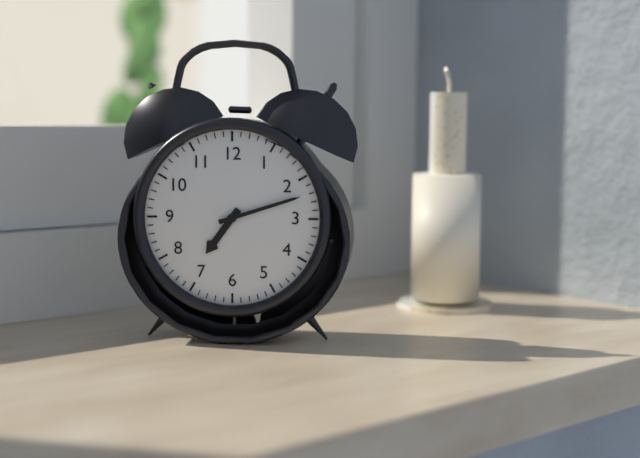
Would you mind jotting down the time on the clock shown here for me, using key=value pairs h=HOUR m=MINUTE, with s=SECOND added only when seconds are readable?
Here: h=7 m=12
